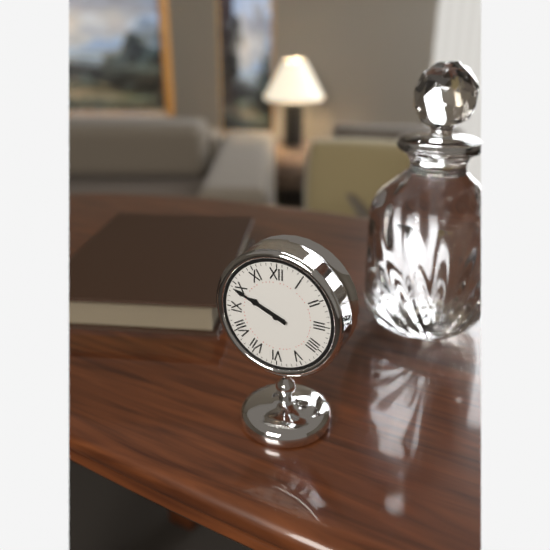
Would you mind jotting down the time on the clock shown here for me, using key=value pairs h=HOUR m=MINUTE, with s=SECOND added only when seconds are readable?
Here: h=9 m=49
